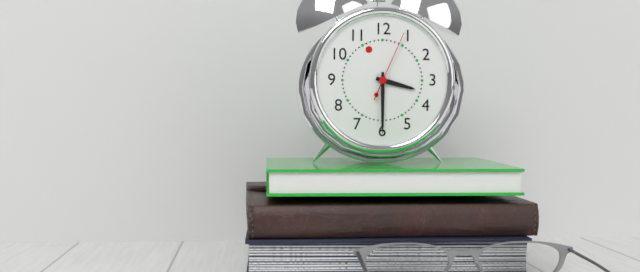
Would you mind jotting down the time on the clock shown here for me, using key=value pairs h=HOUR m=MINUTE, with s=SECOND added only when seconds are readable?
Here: h=3 m=30 s=4
